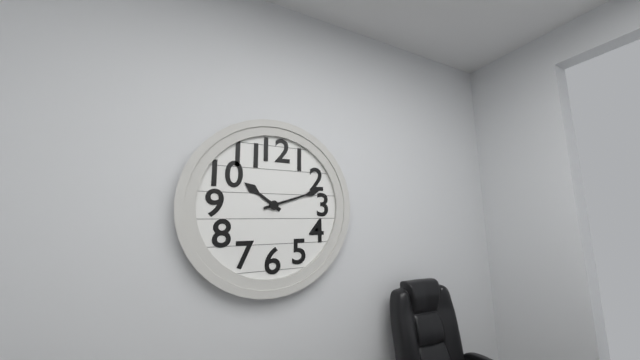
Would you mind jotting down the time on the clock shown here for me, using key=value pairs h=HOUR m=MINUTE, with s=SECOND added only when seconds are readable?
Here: h=10 m=12
